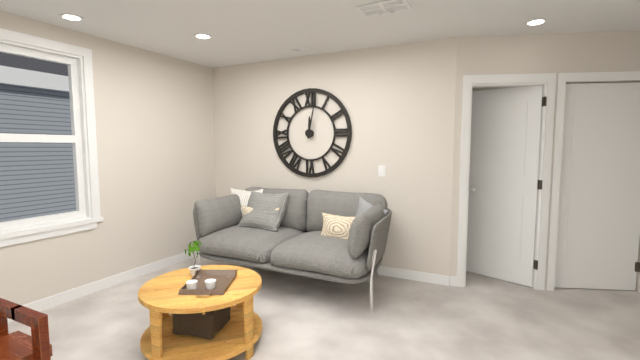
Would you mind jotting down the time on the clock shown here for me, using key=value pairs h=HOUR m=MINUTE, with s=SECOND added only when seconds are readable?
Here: h=12 m=2
